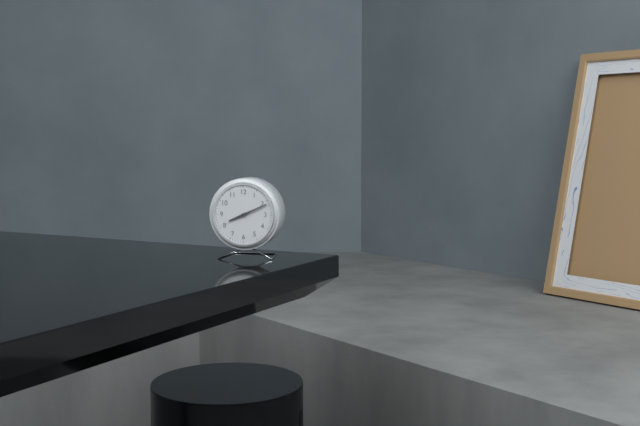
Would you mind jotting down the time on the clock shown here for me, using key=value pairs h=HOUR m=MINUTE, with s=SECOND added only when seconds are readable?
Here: h=8 m=11
